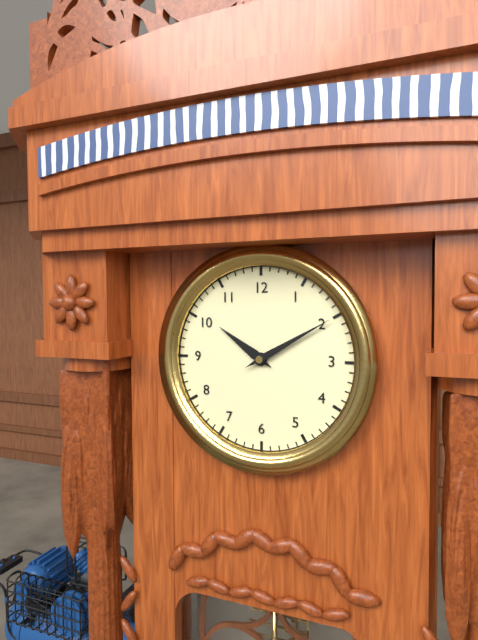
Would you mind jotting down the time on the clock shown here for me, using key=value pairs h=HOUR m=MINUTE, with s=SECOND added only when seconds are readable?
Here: h=10 m=10
